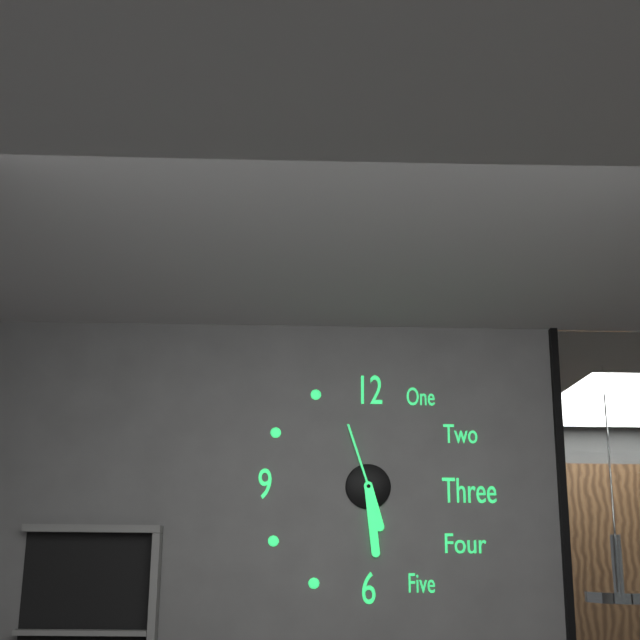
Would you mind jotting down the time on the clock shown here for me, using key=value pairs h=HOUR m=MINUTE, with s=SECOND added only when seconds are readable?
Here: h=5 m=29 s=57
